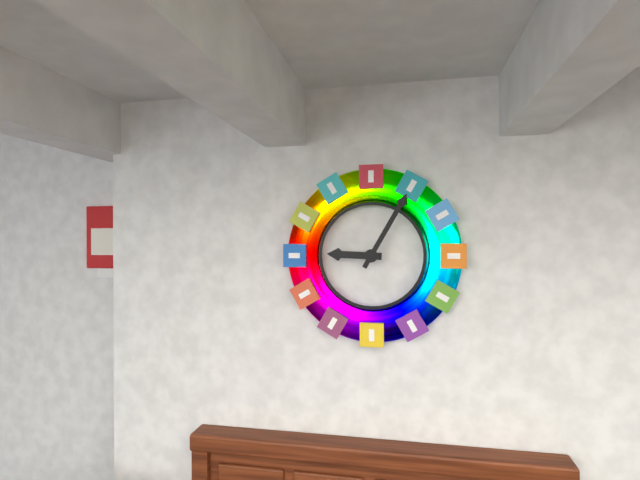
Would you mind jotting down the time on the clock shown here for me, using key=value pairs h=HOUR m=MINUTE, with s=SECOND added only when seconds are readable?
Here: h=9 m=5
